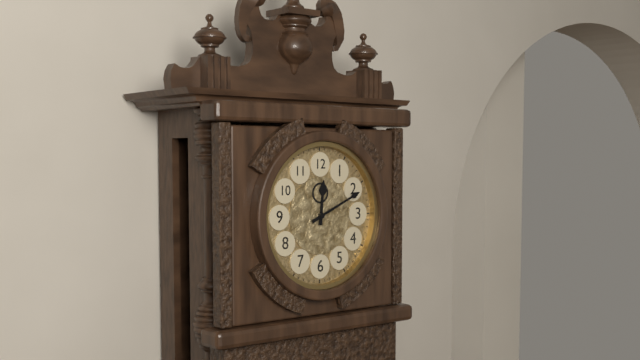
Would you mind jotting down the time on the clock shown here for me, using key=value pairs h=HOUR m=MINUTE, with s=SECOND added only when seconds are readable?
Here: h=12 m=11
